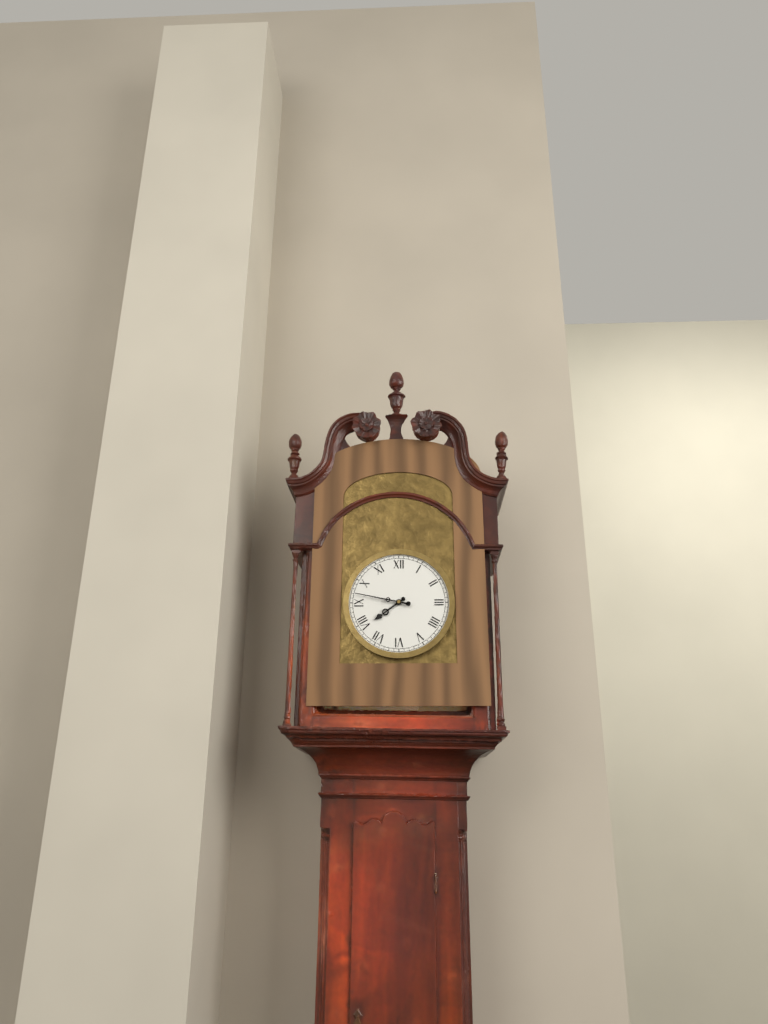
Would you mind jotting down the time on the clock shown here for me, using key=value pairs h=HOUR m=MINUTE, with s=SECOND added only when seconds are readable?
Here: h=7 m=47
